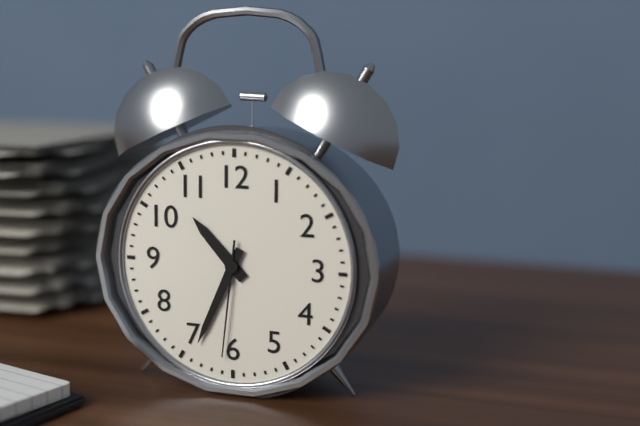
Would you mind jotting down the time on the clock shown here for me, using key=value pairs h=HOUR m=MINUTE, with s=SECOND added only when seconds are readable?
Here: h=10 m=34 s=31
